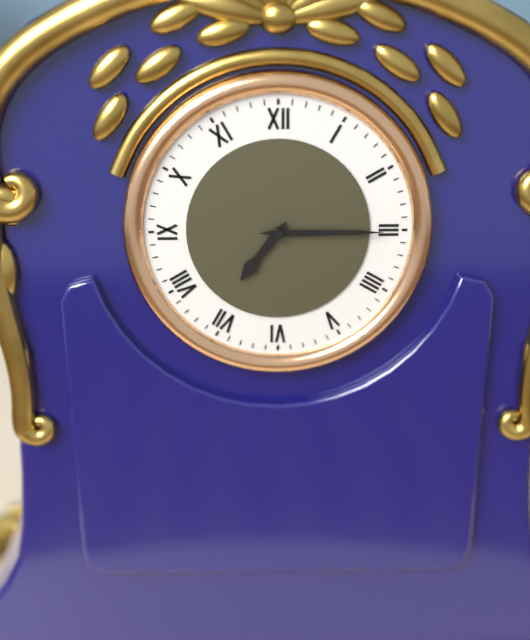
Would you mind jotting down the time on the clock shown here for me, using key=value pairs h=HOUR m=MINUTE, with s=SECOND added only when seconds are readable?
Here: h=7 m=15
